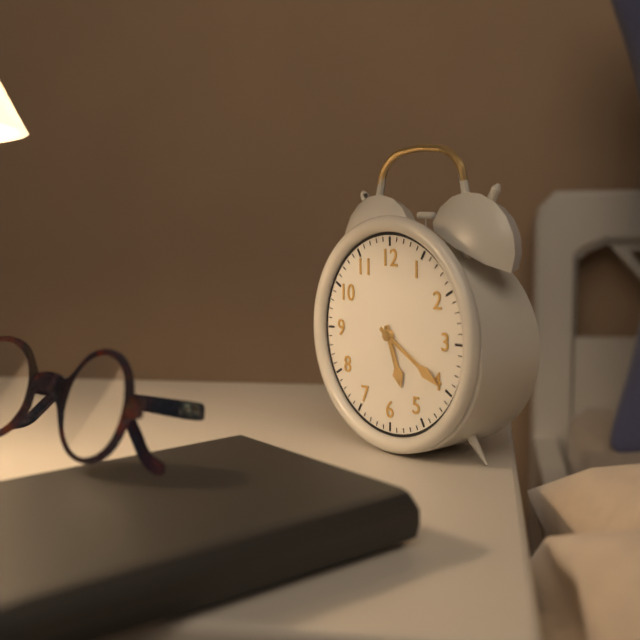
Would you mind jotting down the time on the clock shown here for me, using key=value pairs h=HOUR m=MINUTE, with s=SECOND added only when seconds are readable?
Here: h=5 m=20
